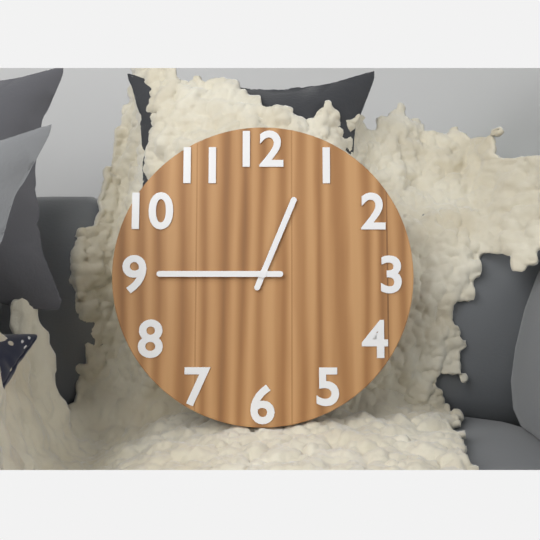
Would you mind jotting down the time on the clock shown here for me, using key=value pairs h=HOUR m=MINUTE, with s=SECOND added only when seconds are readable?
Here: h=12 m=45
